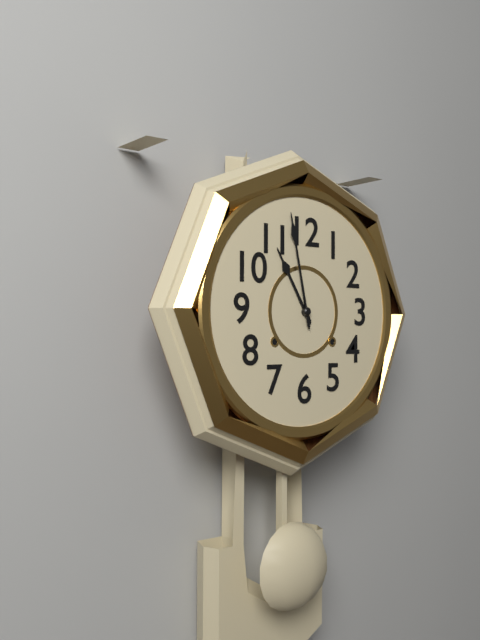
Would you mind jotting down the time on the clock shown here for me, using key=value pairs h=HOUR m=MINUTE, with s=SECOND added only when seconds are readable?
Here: h=10 m=58
